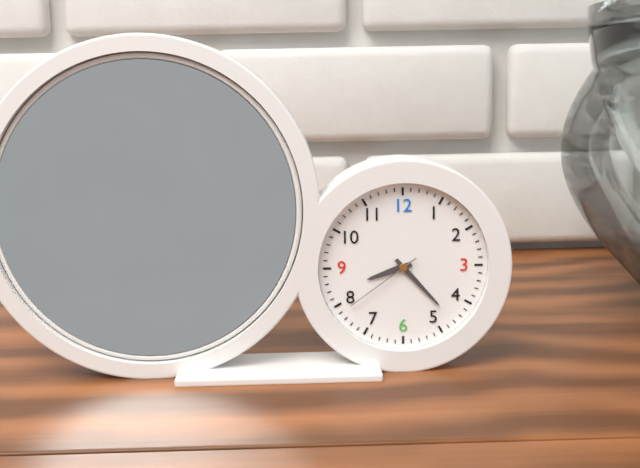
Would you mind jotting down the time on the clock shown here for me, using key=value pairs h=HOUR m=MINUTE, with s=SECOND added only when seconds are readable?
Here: h=8 m=23 s=39
